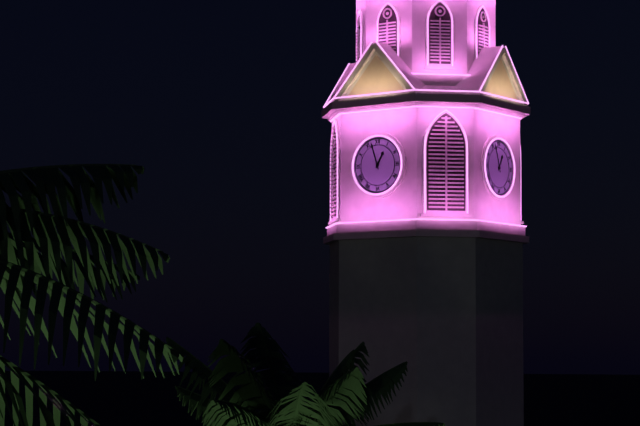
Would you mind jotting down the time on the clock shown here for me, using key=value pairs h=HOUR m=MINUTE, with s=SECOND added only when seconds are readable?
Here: h=12 m=57
